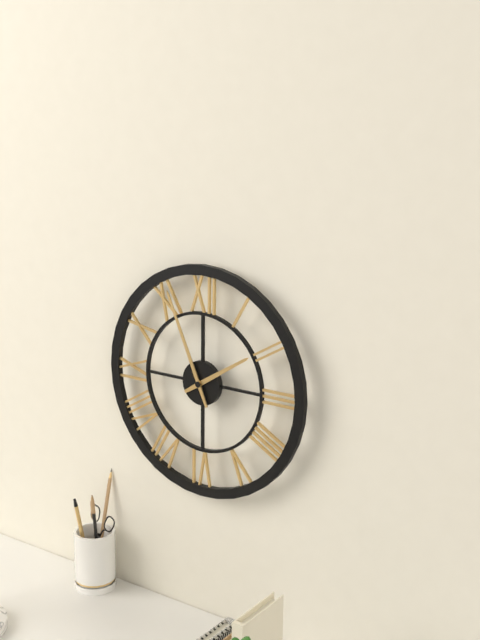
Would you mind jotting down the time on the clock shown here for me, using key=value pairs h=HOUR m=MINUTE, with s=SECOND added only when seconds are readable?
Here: h=1 m=56
